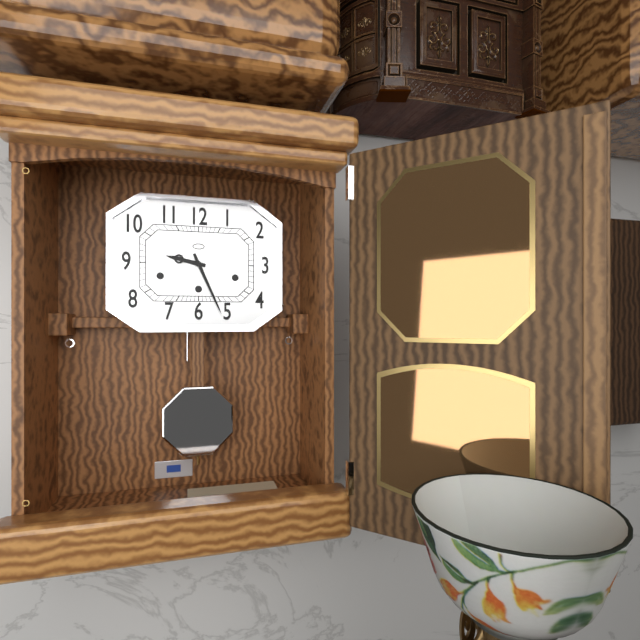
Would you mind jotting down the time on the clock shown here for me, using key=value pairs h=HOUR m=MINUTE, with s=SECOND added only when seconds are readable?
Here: h=9 m=26
